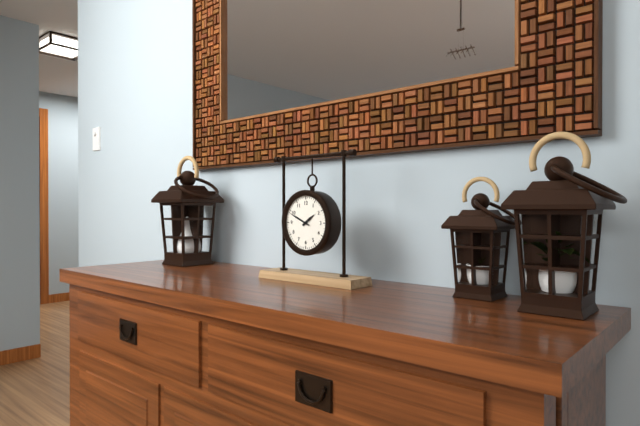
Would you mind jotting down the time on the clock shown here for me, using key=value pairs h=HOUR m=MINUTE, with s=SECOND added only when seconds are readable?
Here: h=1 m=49
